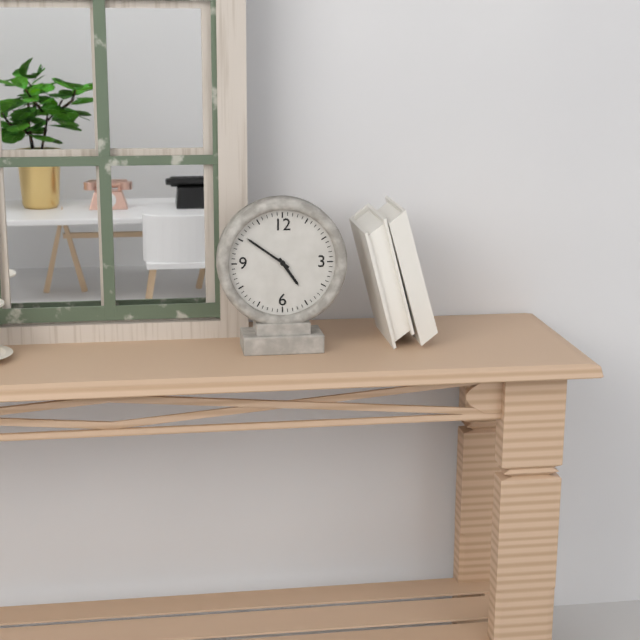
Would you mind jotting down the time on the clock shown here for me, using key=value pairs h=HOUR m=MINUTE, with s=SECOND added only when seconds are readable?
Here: h=4 m=51
